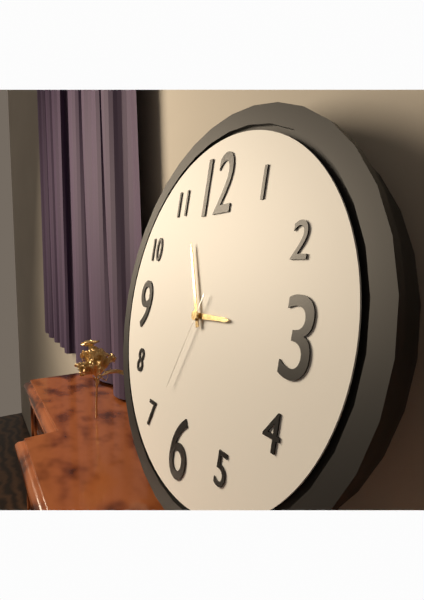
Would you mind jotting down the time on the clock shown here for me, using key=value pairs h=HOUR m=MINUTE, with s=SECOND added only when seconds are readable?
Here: h=2 m=56 s=34
